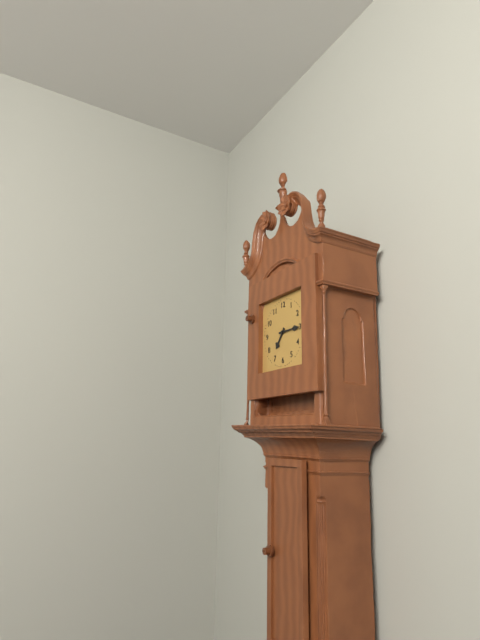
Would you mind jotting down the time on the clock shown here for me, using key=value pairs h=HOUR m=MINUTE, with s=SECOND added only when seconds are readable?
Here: h=7 m=15
